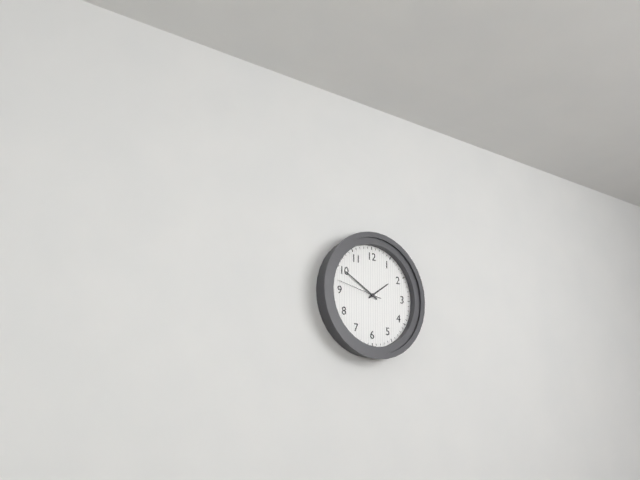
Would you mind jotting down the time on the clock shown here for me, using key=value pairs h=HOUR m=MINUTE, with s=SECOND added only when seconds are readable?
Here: h=1 m=50
